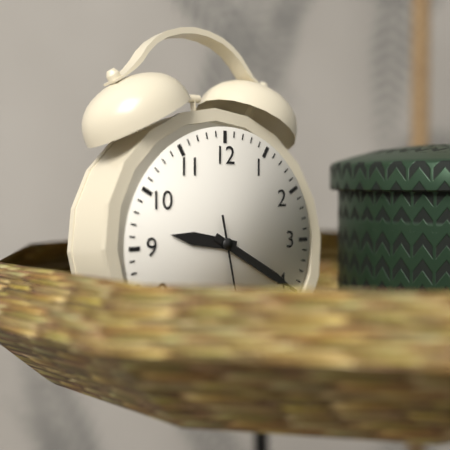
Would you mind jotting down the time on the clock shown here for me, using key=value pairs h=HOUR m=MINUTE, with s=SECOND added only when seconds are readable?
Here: h=9 m=20
